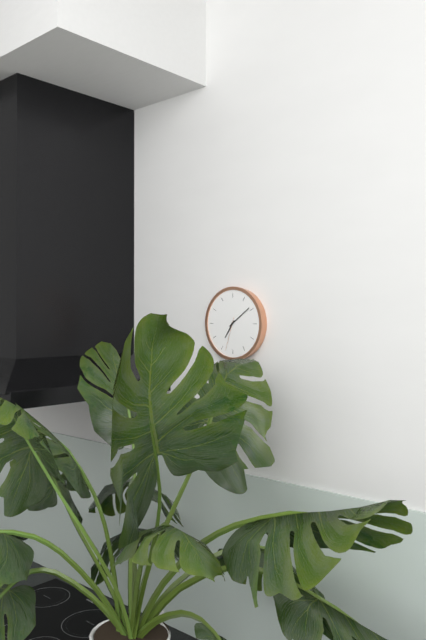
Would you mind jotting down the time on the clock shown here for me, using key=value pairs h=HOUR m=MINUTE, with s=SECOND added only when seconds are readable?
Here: h=7 m=9
